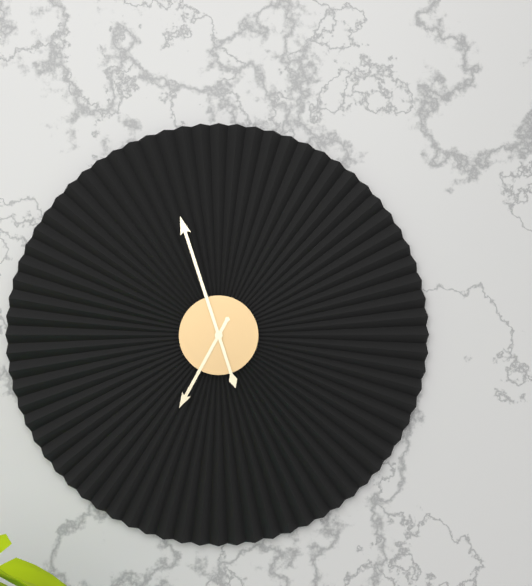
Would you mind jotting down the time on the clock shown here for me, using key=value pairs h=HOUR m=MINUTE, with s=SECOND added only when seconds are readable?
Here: h=6 m=57
